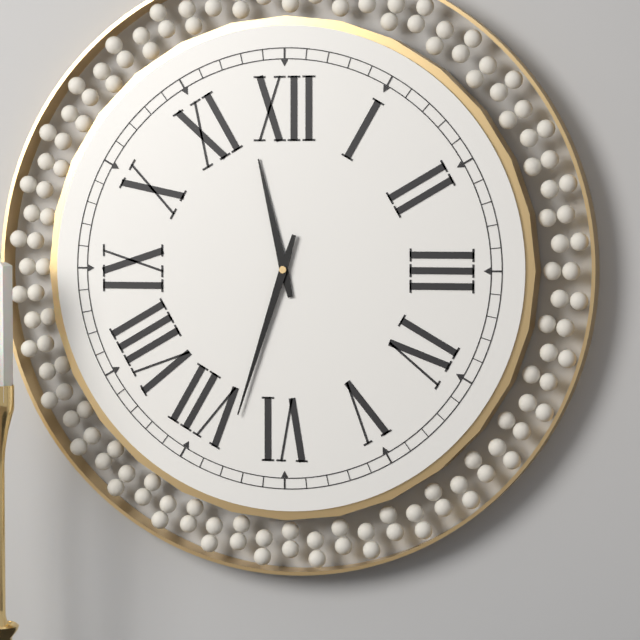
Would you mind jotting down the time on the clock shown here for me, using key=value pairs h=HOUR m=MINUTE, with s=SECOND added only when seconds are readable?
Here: h=11 m=33
